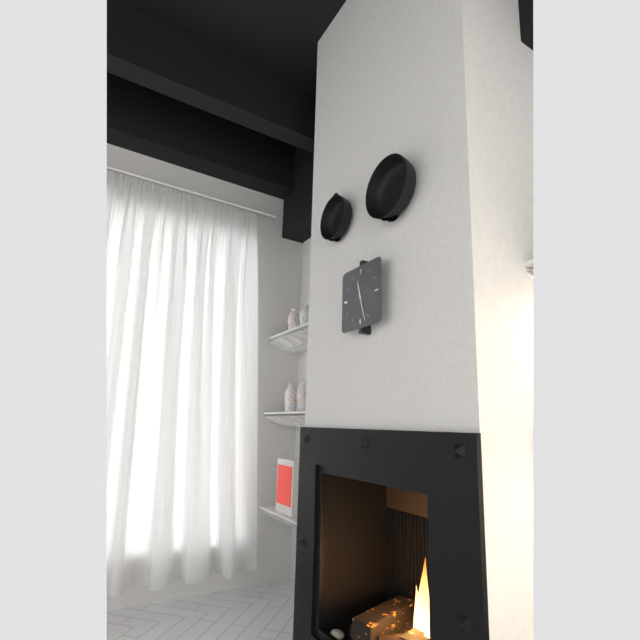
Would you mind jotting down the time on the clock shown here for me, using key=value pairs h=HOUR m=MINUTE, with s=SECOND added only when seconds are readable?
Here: h=11 m=27
